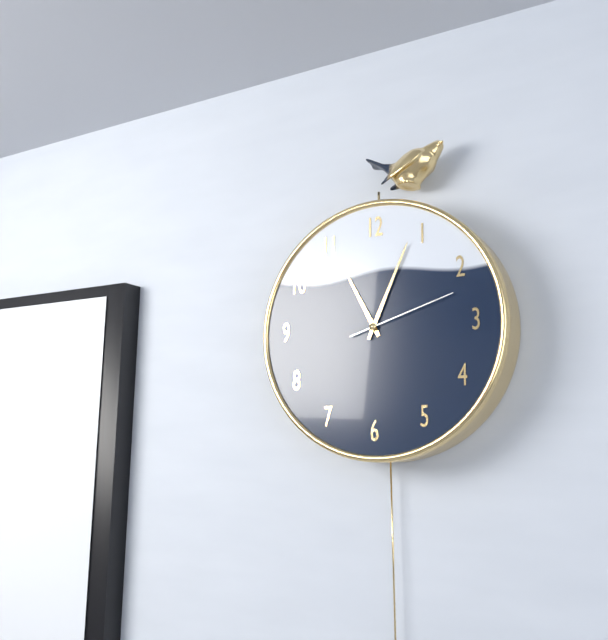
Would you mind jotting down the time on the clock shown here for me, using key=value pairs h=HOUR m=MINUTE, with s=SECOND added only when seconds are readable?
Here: h=11 m=4 s=12
